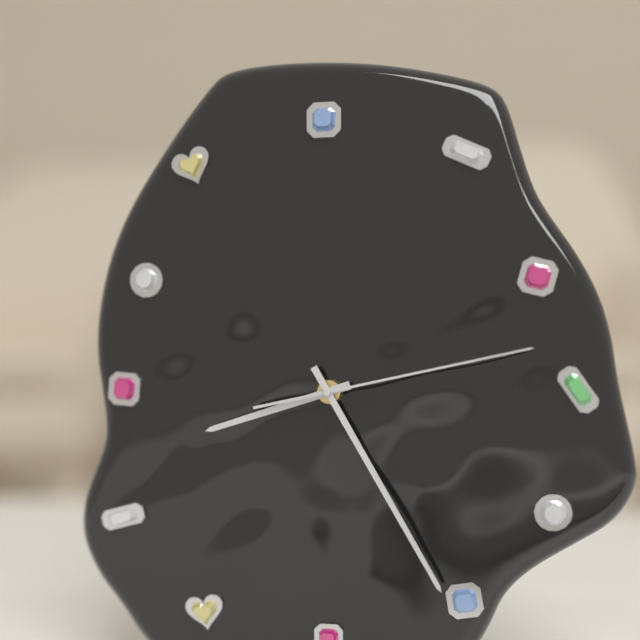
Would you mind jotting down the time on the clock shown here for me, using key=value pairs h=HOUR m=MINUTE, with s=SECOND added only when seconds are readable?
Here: h=8 m=25 s=13
